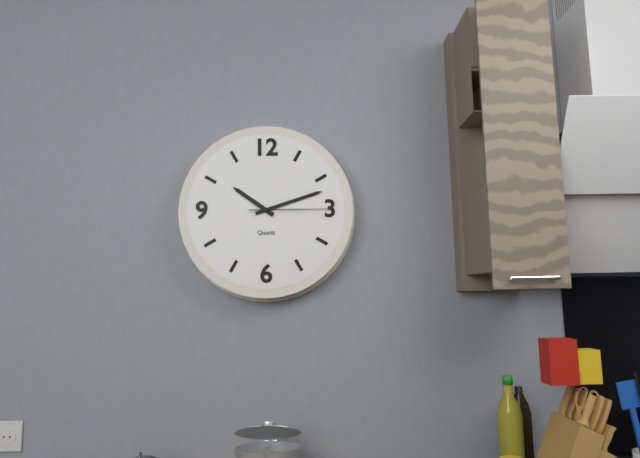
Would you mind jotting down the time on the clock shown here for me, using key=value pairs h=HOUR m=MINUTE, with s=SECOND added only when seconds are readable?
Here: h=10 m=12 s=15
